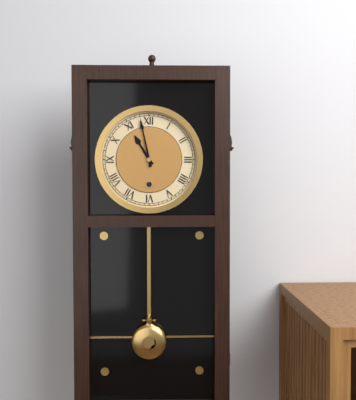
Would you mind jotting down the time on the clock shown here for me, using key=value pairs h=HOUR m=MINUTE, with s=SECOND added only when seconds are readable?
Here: h=10 m=58
